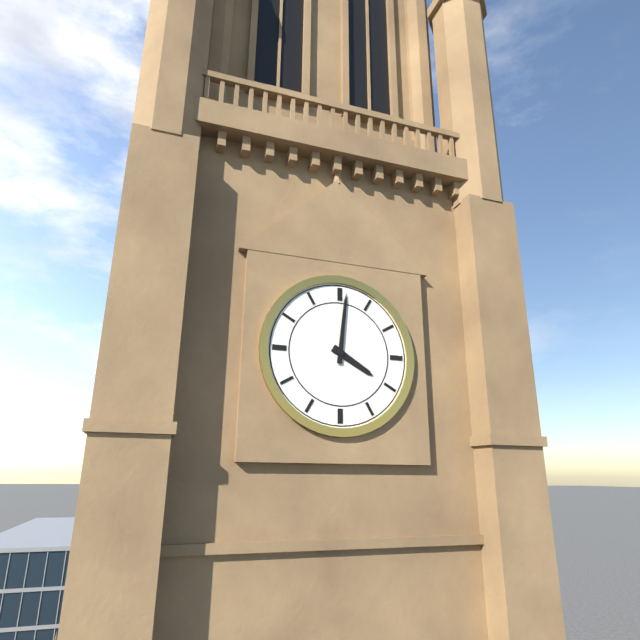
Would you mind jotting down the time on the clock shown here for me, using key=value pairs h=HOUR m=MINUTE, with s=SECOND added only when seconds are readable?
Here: h=4 m=1
